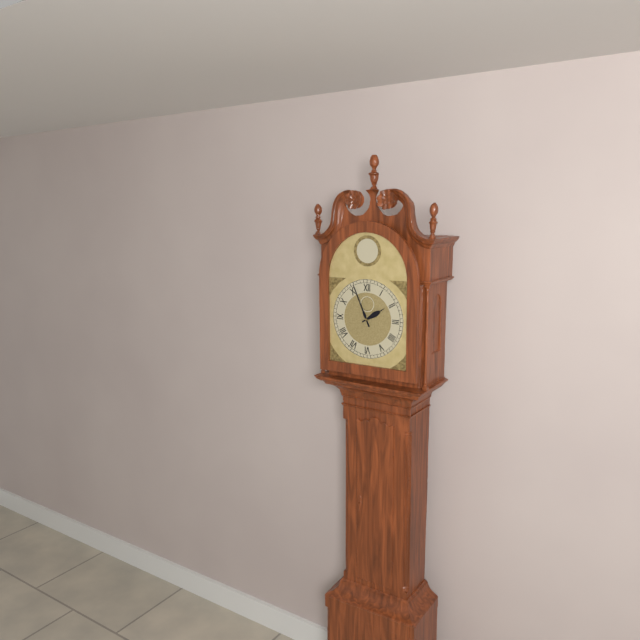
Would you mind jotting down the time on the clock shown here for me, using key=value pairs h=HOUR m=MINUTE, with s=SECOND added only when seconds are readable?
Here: h=1 m=56
